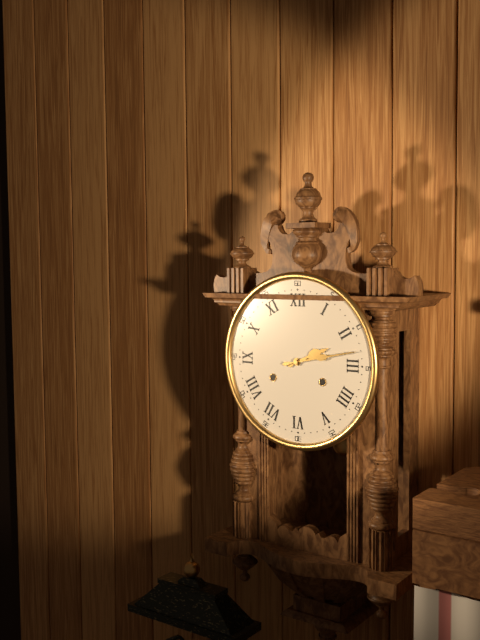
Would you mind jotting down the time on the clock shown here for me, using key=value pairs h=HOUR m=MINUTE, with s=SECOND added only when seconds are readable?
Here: h=2 m=13
